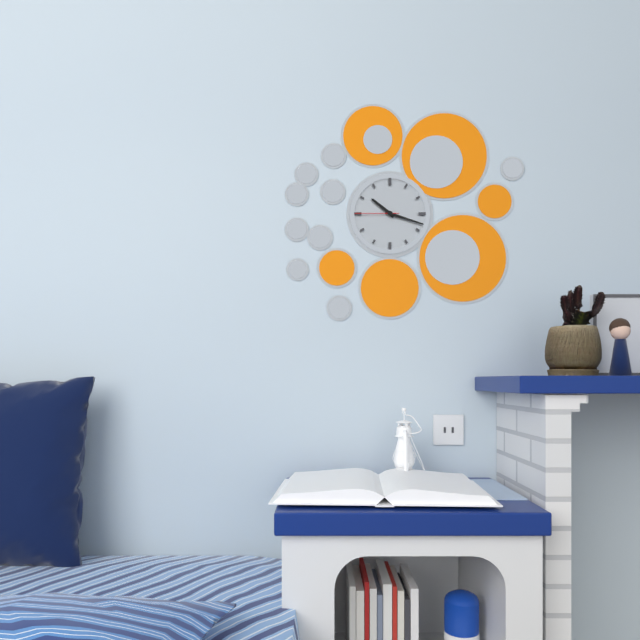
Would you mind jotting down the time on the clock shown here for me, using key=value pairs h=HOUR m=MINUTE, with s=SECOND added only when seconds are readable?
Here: h=10 m=18
